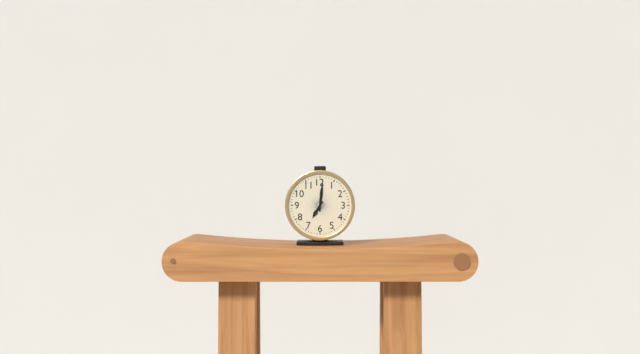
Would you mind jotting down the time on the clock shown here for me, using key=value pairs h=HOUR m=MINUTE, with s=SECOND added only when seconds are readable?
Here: h=7 m=1
